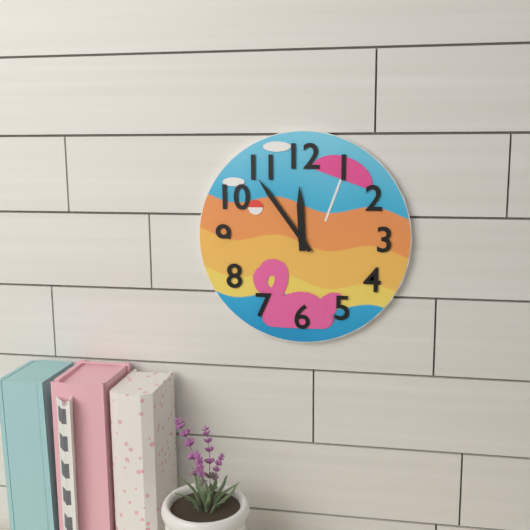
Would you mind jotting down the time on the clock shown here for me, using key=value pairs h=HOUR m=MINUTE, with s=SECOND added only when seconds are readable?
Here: h=11 m=54
